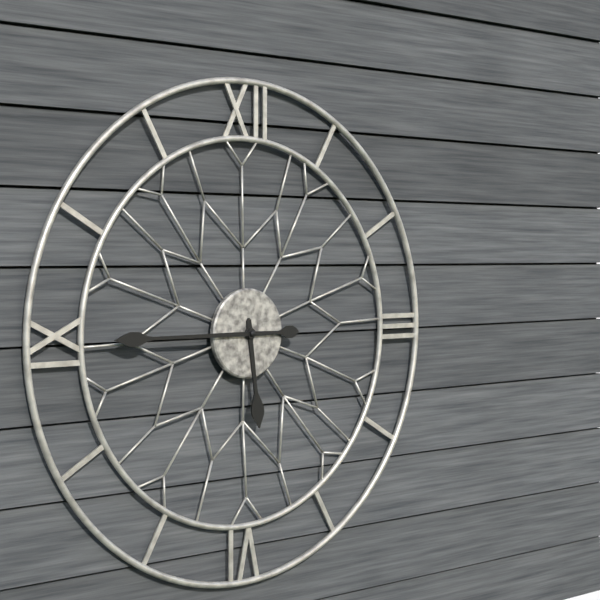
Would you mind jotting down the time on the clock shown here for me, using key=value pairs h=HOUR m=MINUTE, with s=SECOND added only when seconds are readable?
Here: h=5 m=45
